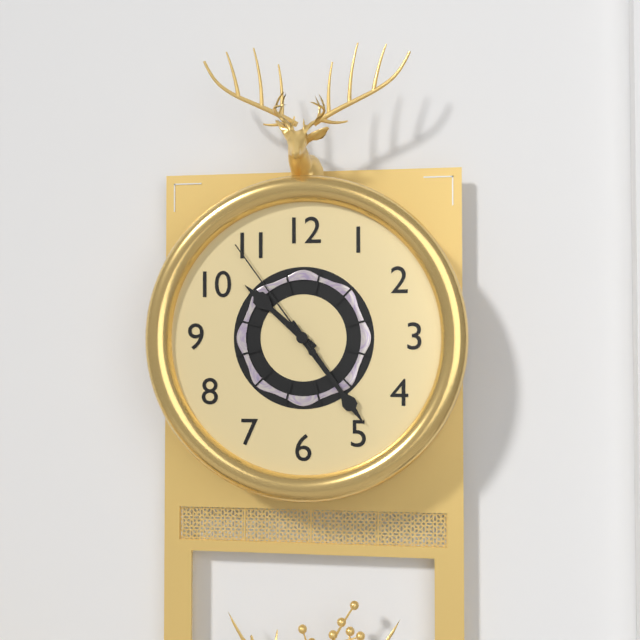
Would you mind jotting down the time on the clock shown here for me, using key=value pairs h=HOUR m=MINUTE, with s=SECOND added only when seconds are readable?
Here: h=10 m=24 s=54
